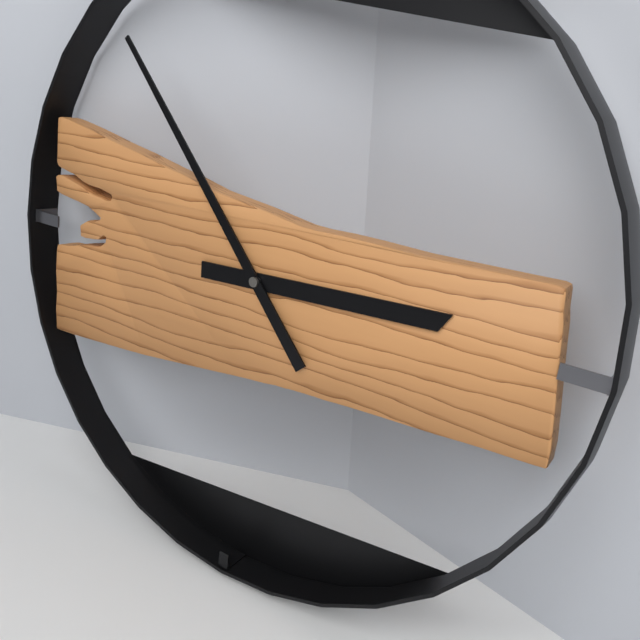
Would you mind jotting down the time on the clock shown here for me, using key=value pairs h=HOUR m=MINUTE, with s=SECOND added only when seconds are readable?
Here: h=2 m=53
